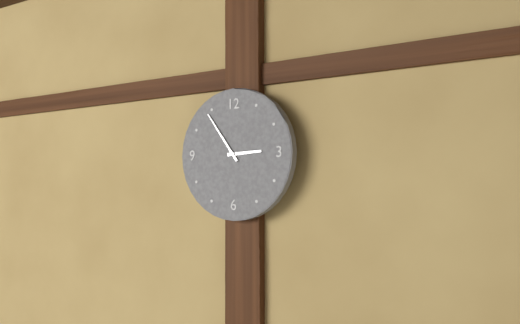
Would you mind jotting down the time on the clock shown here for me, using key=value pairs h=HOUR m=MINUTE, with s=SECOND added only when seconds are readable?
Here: h=2 m=54
